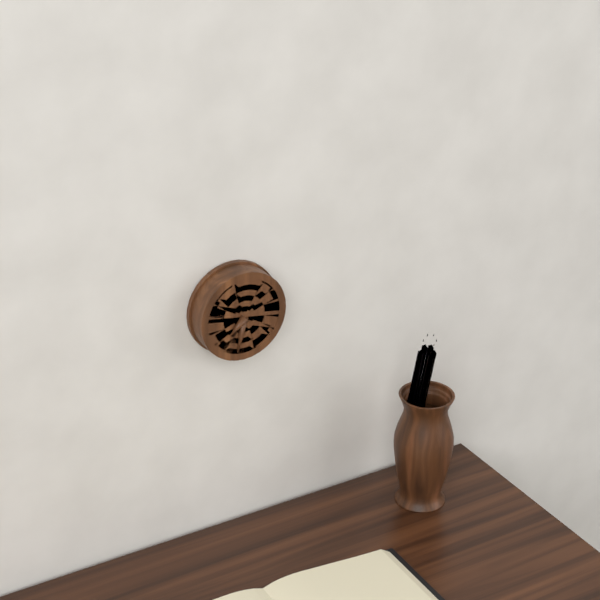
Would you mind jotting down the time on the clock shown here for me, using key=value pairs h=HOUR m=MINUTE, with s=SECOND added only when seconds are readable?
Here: h=7 m=32
